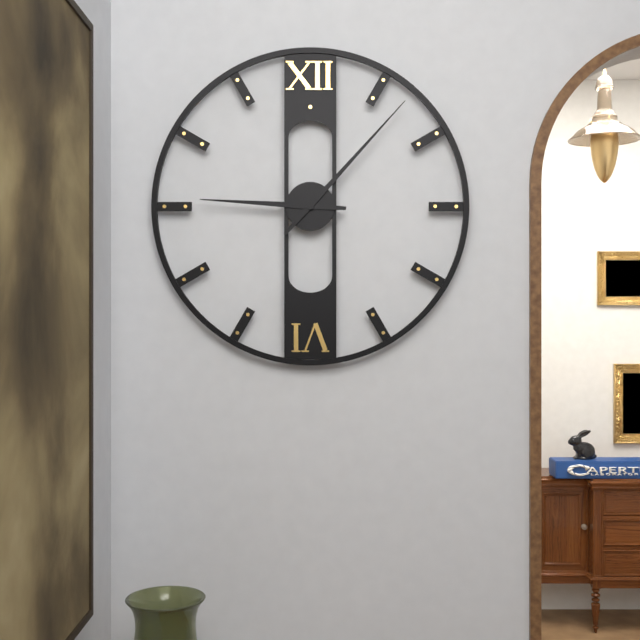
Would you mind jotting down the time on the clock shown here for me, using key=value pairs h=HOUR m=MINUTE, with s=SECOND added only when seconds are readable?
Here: h=9 m=7
